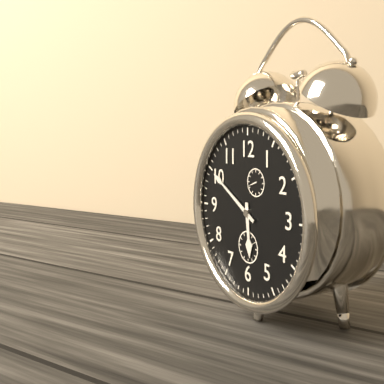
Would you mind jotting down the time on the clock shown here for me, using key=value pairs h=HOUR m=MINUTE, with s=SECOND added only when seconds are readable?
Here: h=5 m=50
